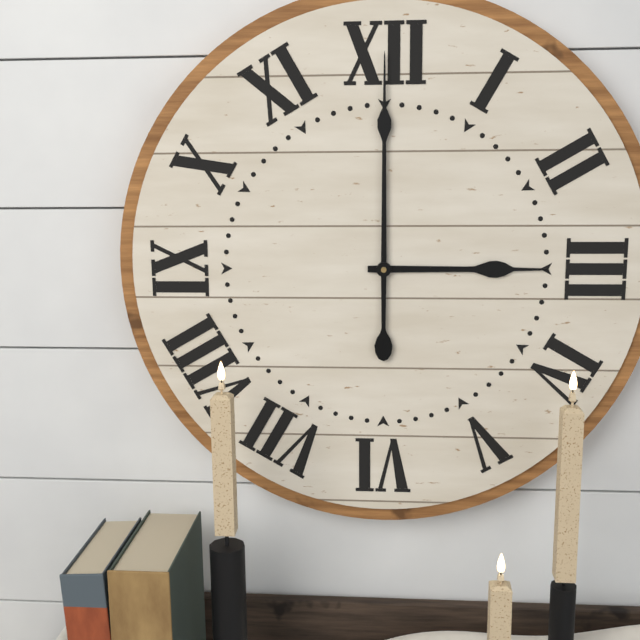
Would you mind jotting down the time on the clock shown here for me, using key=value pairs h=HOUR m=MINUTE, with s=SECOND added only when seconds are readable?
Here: h=3 m=0
